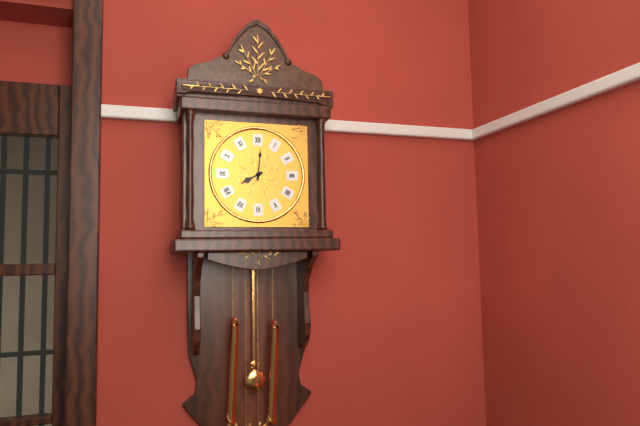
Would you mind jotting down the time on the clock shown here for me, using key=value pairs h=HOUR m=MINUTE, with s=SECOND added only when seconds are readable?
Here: h=8 m=1
